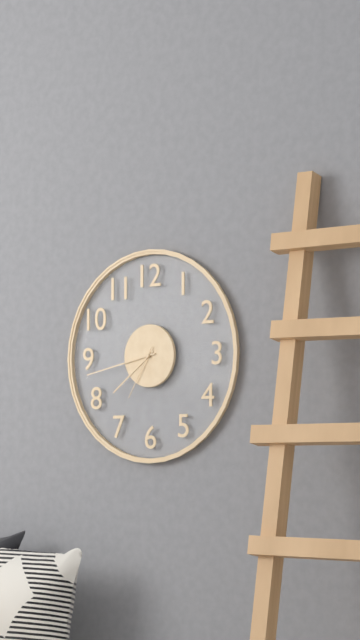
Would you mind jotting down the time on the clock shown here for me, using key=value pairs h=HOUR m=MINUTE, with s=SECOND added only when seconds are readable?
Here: h=7 m=43 s=35
